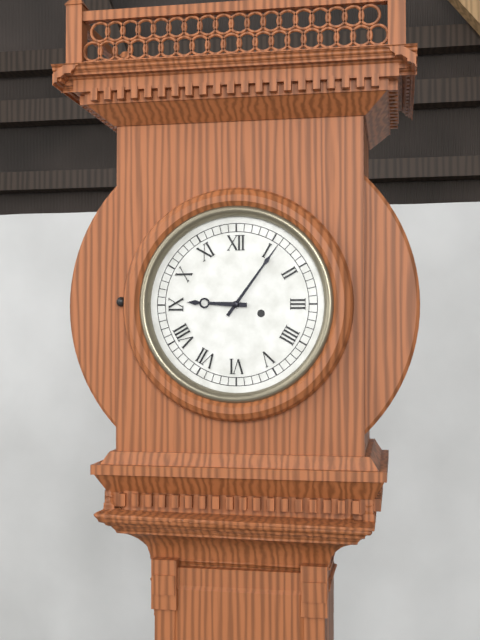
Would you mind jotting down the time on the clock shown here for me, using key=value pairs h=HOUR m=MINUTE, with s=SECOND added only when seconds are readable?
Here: h=9 m=6
